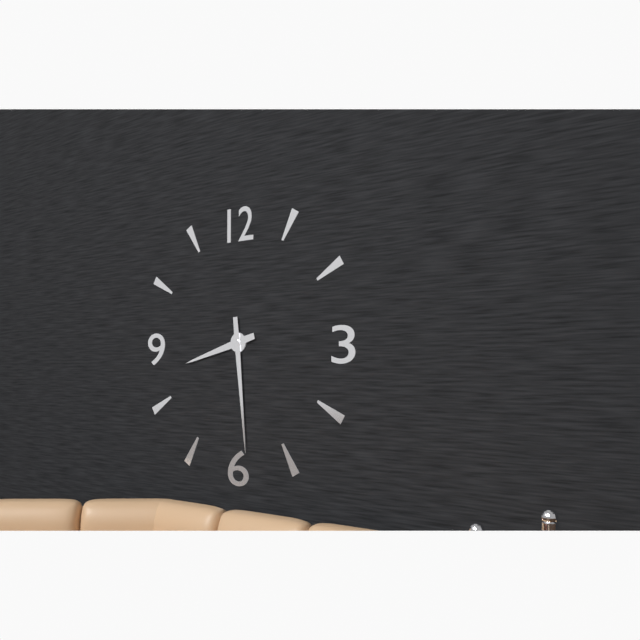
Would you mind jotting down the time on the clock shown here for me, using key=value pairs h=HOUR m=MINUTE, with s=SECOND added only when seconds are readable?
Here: h=8 m=29
